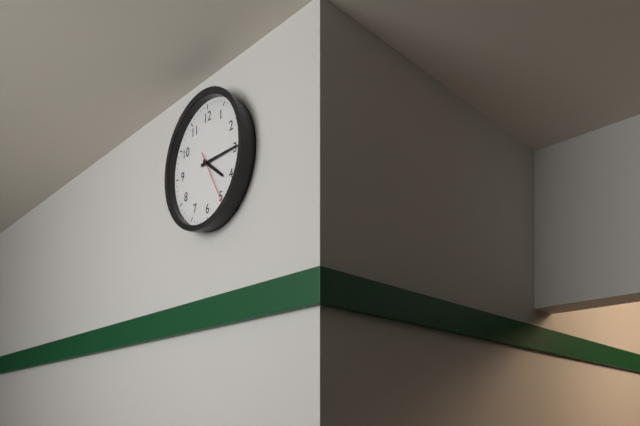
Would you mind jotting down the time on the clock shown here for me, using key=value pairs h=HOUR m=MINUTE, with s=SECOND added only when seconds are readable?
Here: h=4 m=15 s=25
